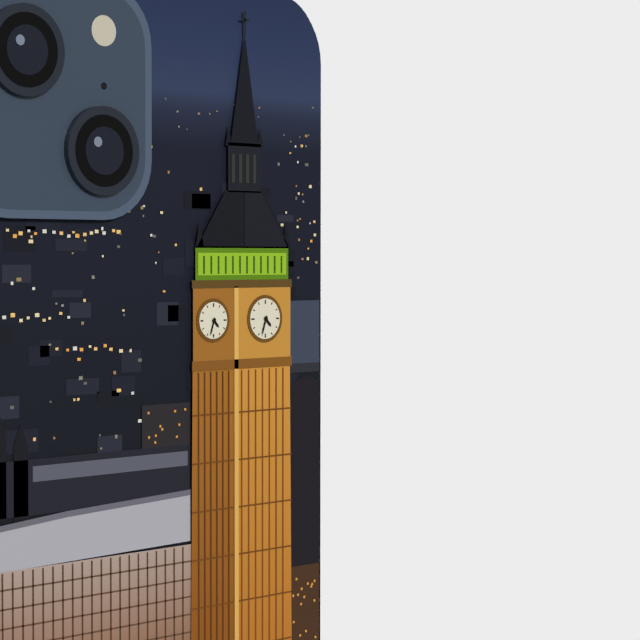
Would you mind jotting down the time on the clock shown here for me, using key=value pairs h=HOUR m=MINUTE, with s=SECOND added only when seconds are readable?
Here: h=4 m=33
